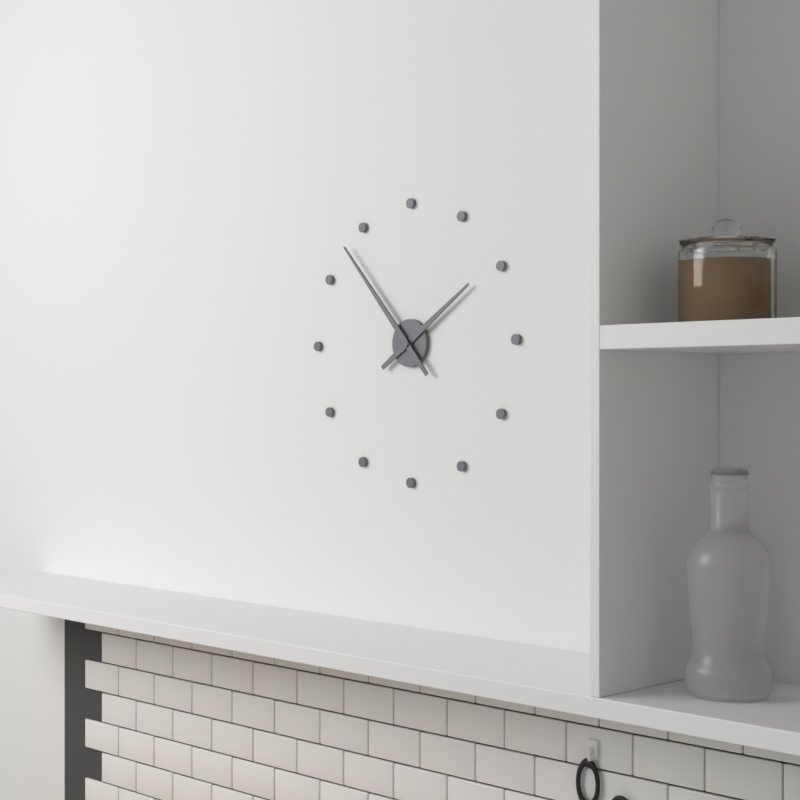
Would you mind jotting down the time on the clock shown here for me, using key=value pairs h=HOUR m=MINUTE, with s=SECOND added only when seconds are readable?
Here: h=1 m=53
